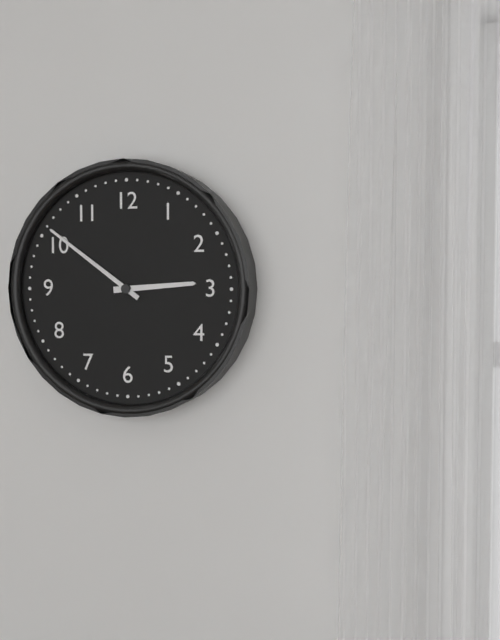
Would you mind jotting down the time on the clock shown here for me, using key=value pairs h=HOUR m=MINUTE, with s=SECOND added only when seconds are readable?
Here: h=2 m=51
